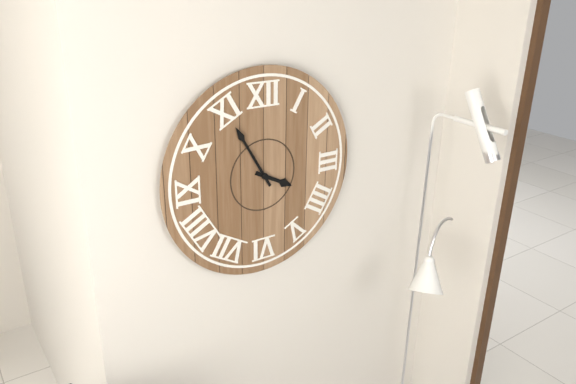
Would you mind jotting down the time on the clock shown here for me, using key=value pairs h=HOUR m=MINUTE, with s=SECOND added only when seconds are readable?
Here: h=3 m=55
